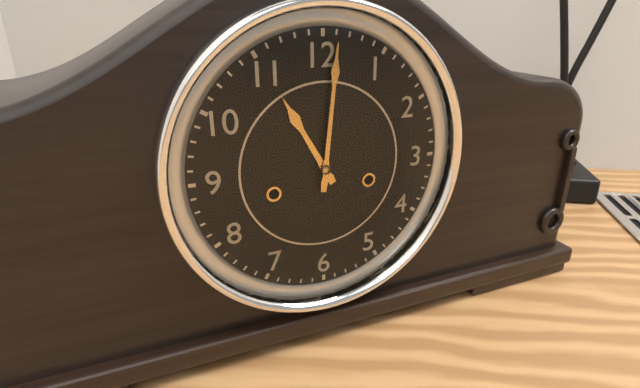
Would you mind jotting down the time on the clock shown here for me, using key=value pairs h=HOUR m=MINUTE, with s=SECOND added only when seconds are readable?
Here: h=11 m=1
